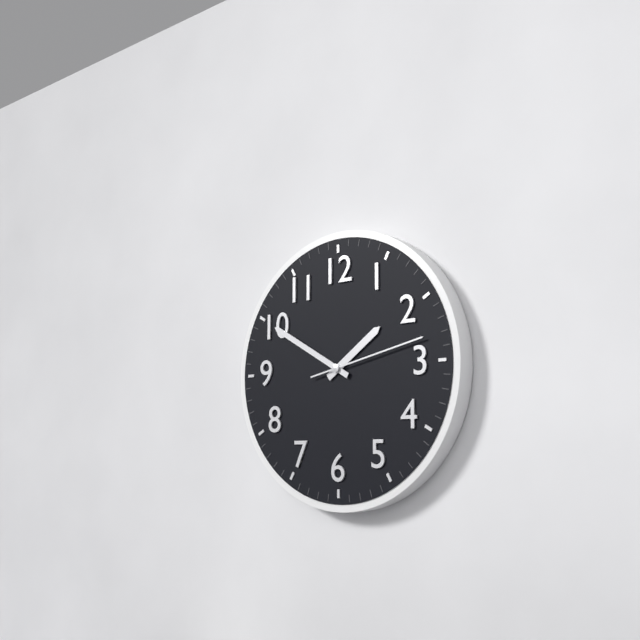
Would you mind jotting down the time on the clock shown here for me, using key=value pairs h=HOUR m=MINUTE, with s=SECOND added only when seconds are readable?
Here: h=1 m=50 s=13
